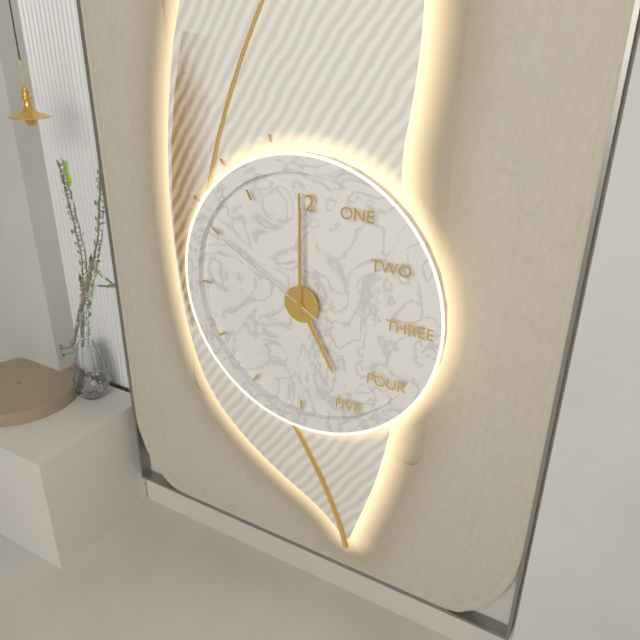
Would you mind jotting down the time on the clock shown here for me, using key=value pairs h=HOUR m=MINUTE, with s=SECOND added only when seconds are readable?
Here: h=5 m=0 s=50
